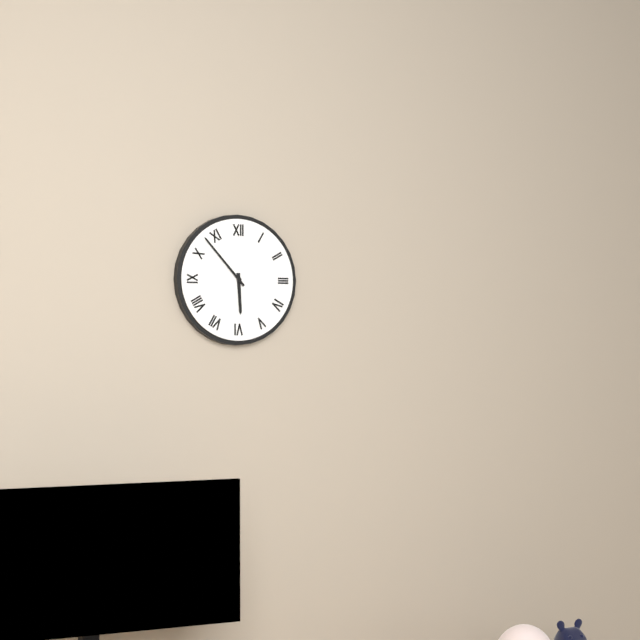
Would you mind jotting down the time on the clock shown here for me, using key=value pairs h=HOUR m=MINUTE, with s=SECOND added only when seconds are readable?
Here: h=5 m=53
